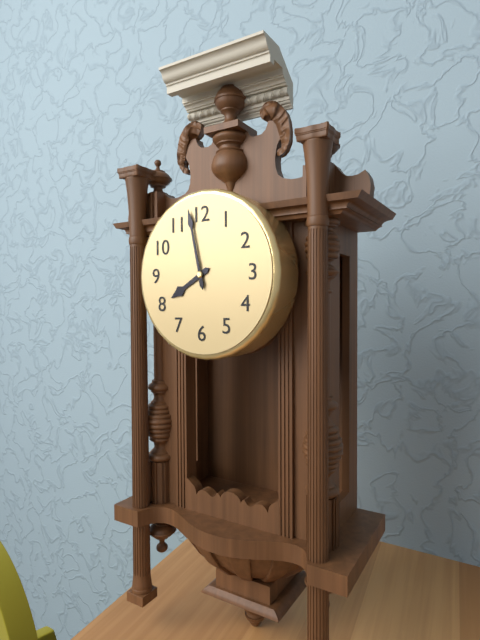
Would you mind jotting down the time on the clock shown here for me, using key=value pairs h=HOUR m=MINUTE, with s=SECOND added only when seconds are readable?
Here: h=7 m=58
